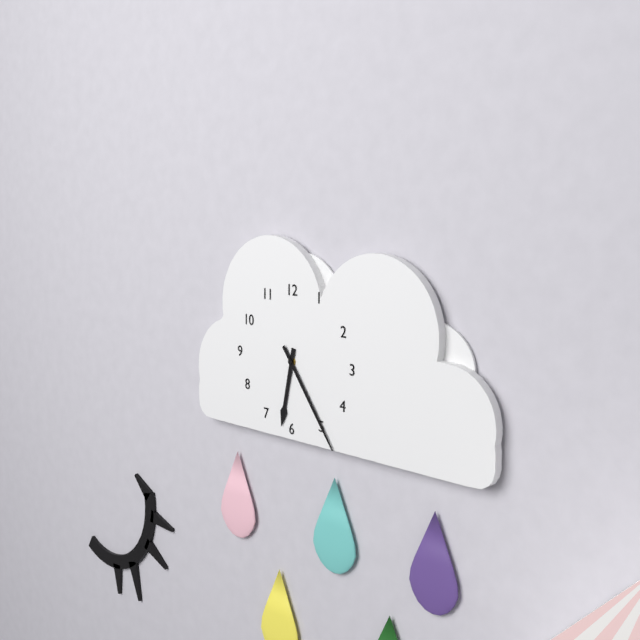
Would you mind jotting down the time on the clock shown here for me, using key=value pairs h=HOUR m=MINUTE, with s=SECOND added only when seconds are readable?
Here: h=6 m=24
